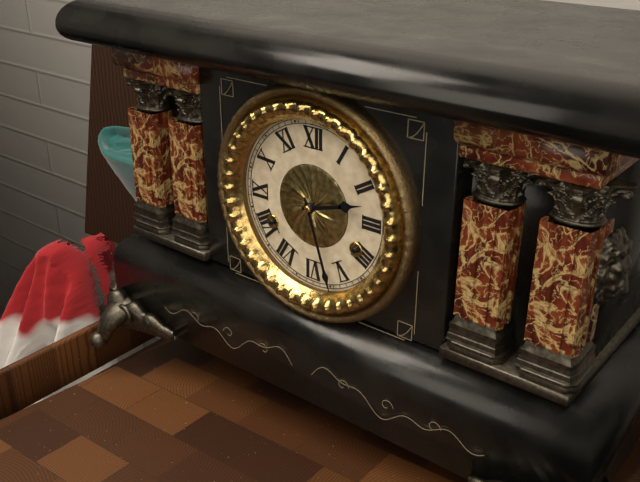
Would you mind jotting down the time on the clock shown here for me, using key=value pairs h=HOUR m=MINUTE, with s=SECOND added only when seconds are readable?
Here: h=2 m=27
